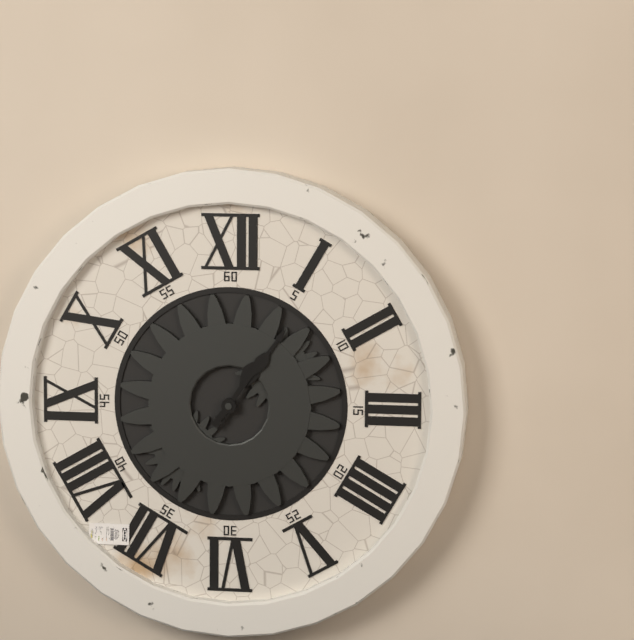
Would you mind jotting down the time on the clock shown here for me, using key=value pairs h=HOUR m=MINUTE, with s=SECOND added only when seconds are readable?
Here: h=1 m=6
